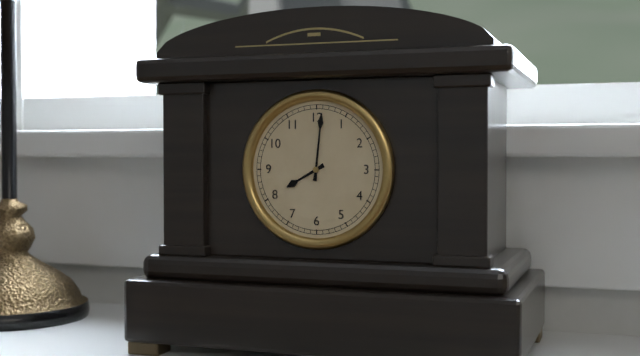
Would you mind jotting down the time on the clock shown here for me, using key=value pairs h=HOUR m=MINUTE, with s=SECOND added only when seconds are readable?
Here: h=8 m=1
